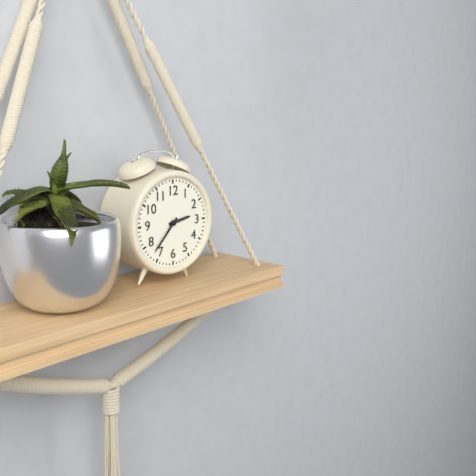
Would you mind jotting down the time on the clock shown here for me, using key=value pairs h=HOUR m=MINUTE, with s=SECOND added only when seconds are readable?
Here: h=2 m=37
